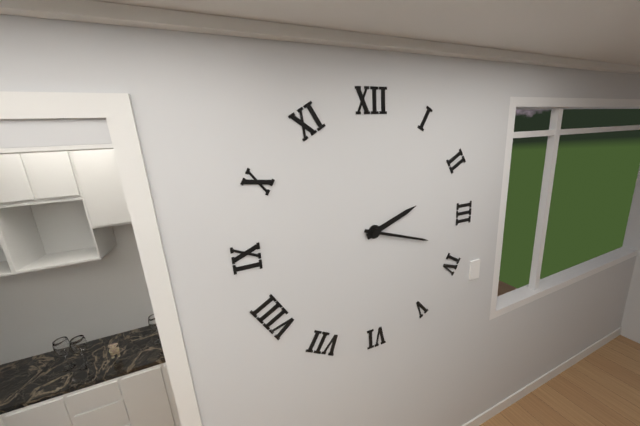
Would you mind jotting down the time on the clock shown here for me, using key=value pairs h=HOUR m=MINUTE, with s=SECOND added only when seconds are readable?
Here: h=2 m=18
